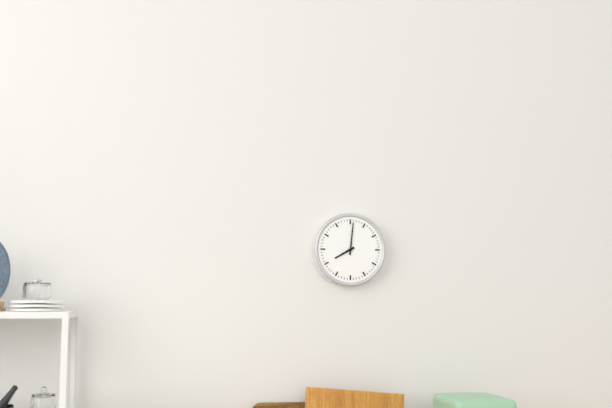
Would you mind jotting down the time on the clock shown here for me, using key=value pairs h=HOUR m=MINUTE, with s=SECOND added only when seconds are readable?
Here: h=8 m=1
